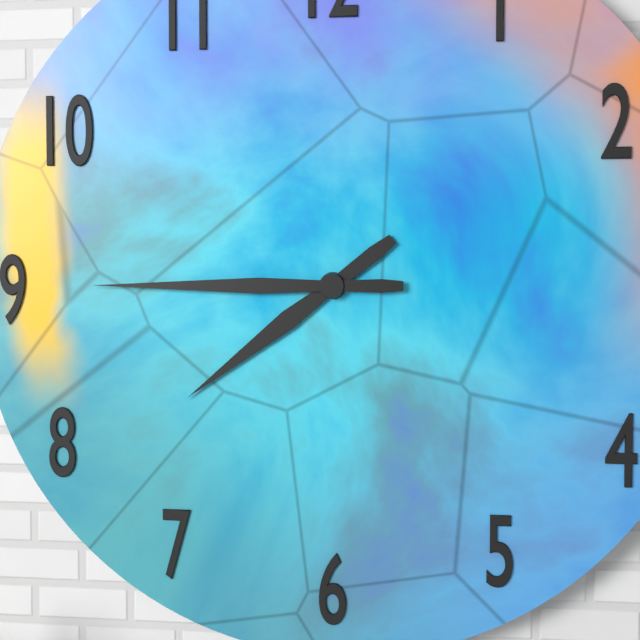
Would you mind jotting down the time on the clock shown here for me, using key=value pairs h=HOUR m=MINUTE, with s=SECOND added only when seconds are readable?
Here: h=7 m=45
